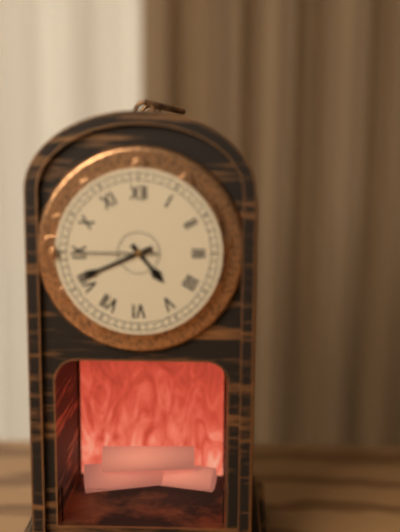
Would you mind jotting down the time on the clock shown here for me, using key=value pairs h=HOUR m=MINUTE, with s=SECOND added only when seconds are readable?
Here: h=4 m=41 s=45
